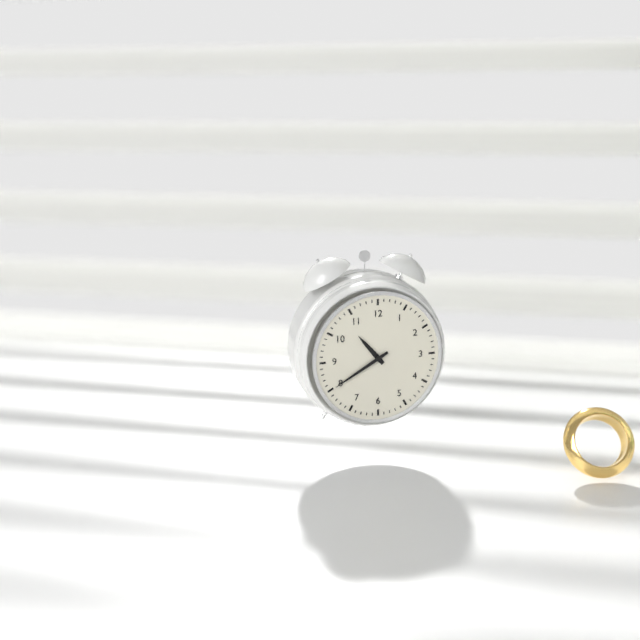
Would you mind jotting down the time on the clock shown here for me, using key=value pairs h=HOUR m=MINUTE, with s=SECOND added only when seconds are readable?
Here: h=10 m=40
